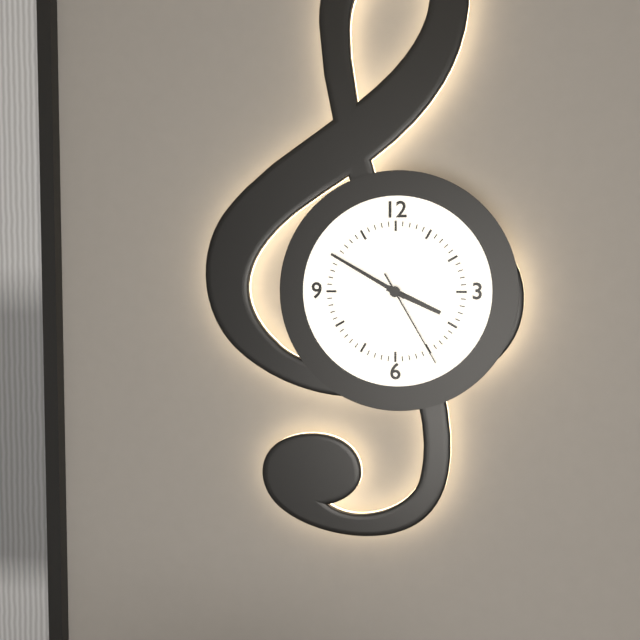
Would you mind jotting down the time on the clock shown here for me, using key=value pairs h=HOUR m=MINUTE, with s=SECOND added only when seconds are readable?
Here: h=3 m=50 s=25
